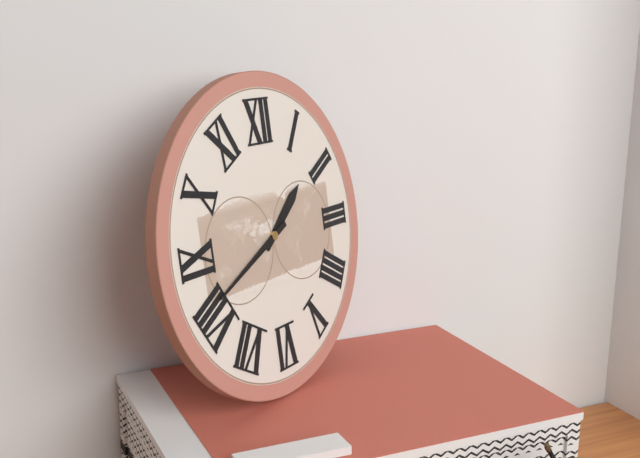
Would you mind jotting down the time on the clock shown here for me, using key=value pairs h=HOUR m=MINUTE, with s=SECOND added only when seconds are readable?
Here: h=1 m=41
